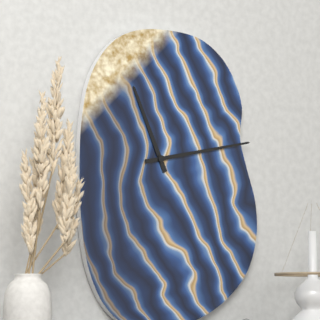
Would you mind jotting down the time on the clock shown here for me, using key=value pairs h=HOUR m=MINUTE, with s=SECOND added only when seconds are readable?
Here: h=11 m=13
